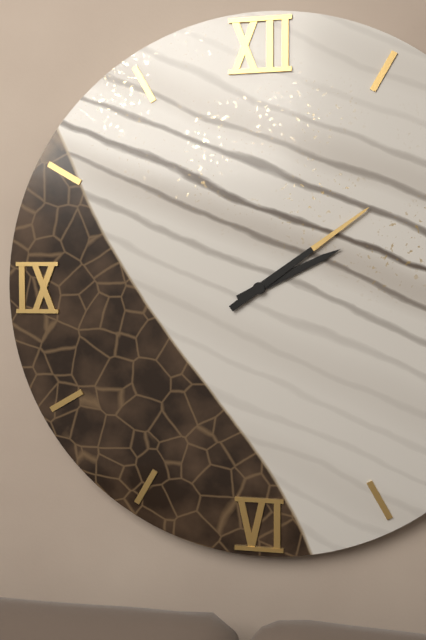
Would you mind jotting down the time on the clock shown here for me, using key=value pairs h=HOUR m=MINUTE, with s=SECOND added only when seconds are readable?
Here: h=2 m=9
